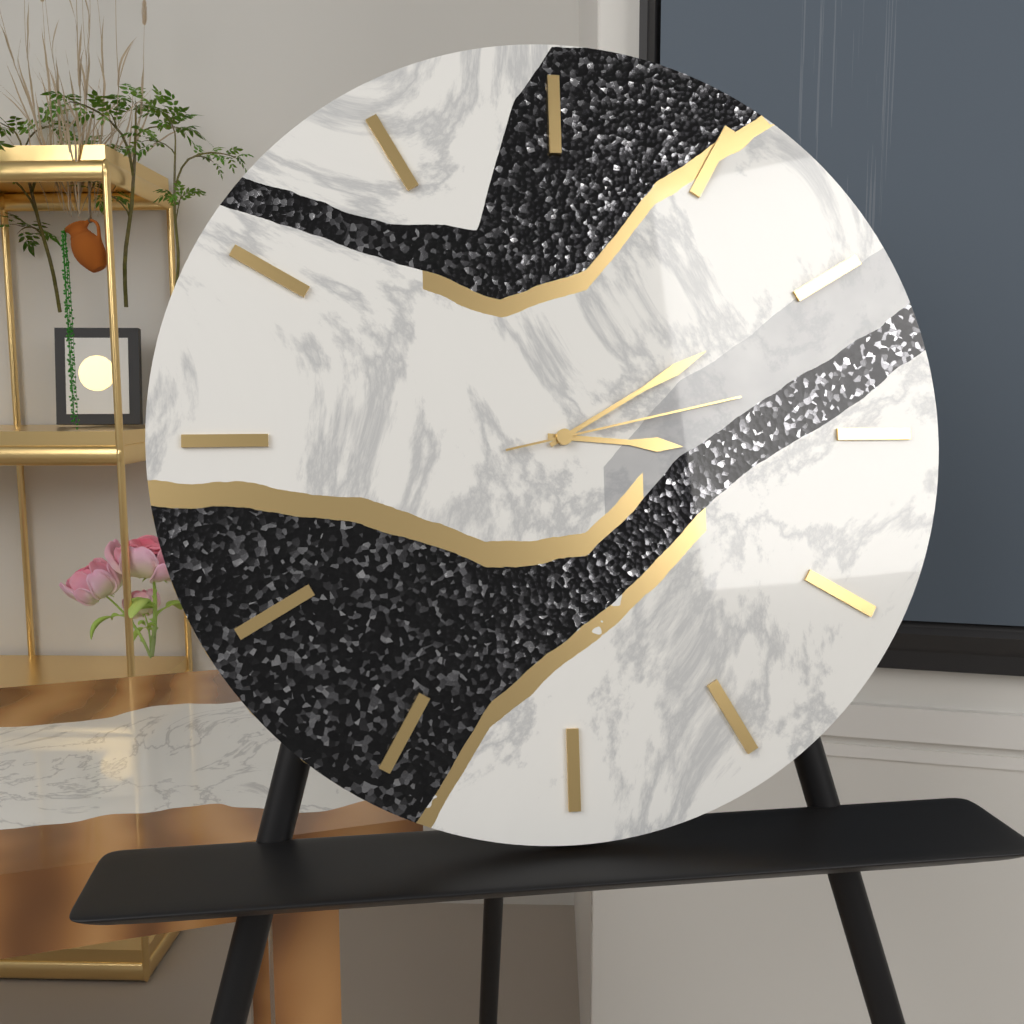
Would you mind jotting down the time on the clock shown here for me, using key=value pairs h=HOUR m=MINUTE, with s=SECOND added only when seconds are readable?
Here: h=3 m=10 s=13
